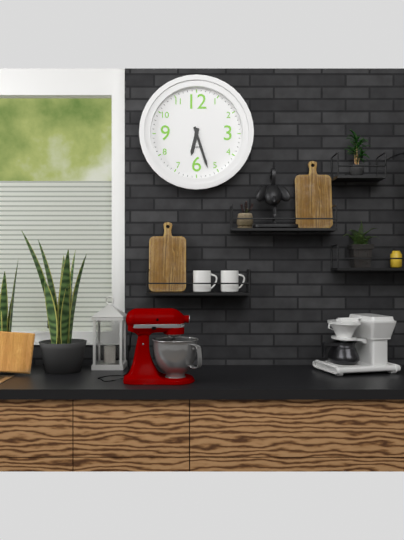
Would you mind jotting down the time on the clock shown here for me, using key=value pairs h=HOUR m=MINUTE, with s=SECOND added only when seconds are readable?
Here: h=6 m=27
